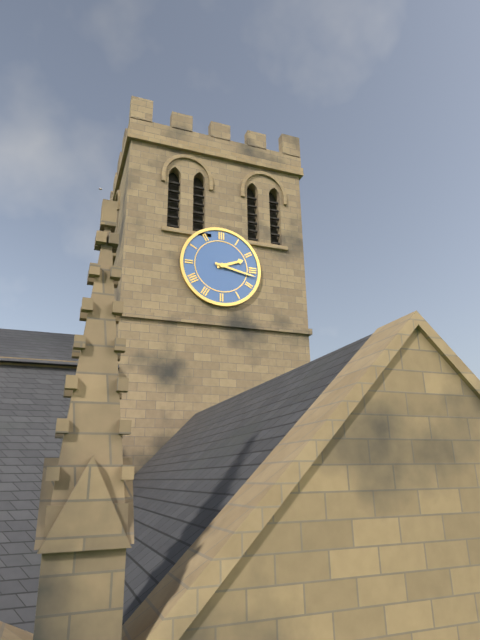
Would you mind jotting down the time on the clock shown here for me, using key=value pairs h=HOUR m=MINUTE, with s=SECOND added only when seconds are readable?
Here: h=2 m=17
